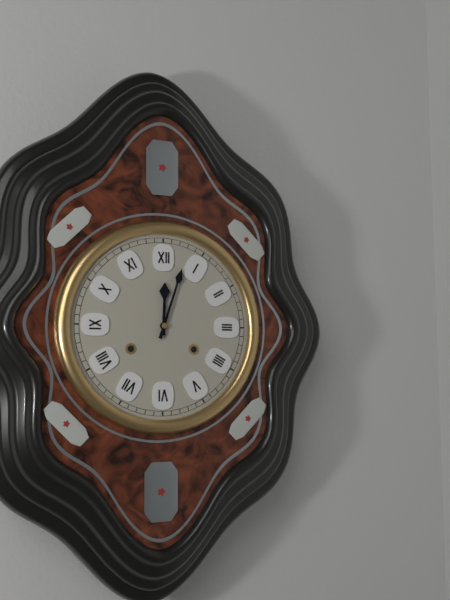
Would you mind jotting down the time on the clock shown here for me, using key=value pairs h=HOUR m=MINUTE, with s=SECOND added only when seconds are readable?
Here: h=12 m=3
